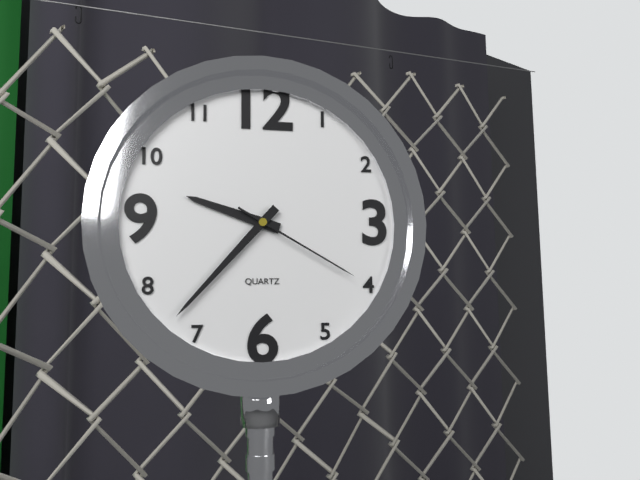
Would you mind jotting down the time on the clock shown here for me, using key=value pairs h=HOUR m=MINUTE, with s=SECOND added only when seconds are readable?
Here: h=9 m=37 s=20
